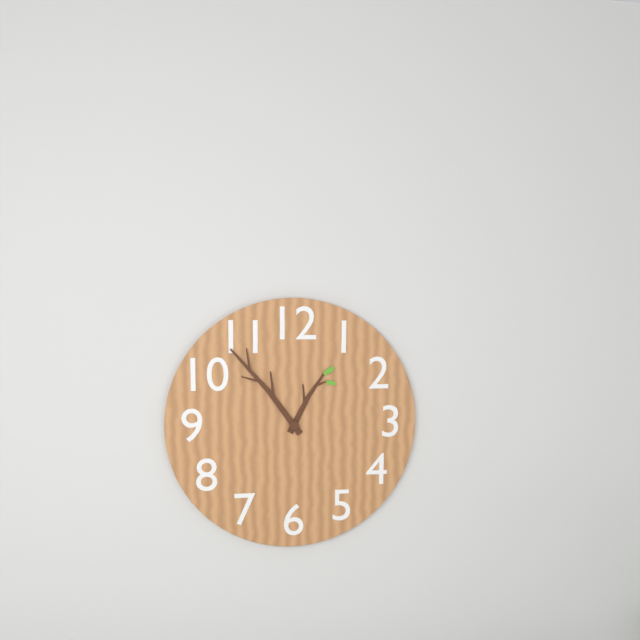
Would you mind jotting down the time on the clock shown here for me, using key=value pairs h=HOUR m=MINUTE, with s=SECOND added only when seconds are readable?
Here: h=12 m=54
